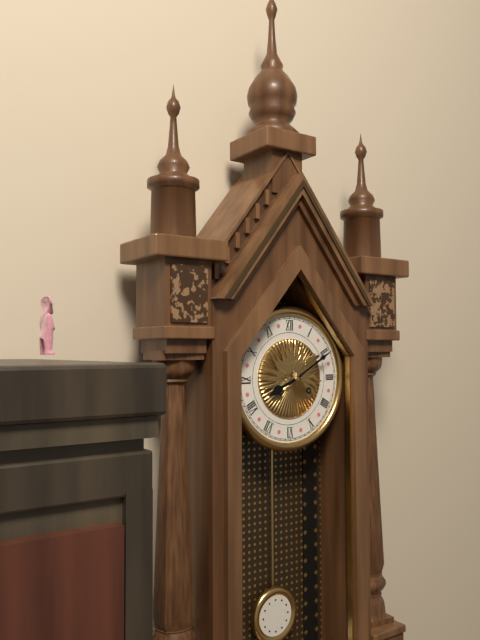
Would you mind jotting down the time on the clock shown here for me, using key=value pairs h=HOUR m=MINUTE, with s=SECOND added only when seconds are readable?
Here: h=8 m=10
